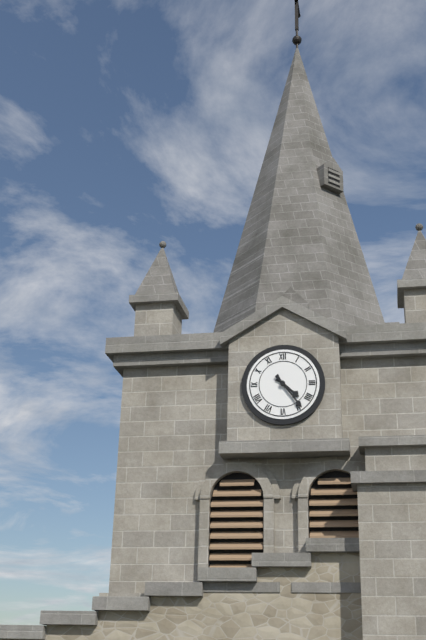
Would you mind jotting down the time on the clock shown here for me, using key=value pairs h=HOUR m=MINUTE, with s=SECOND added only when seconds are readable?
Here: h=4 m=24
